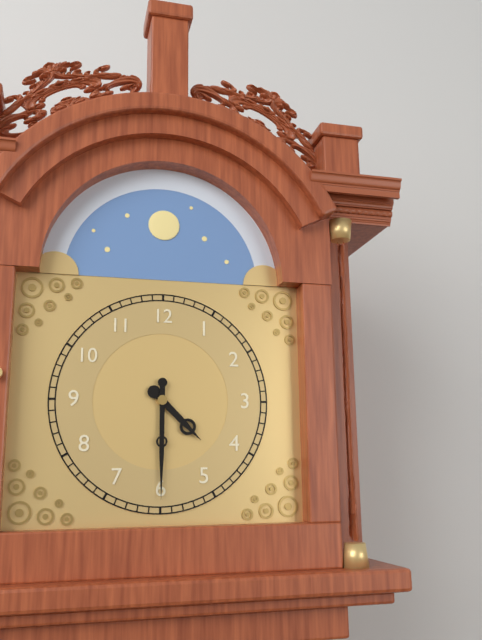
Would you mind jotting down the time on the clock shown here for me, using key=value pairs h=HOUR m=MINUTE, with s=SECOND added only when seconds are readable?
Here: h=4 m=30
